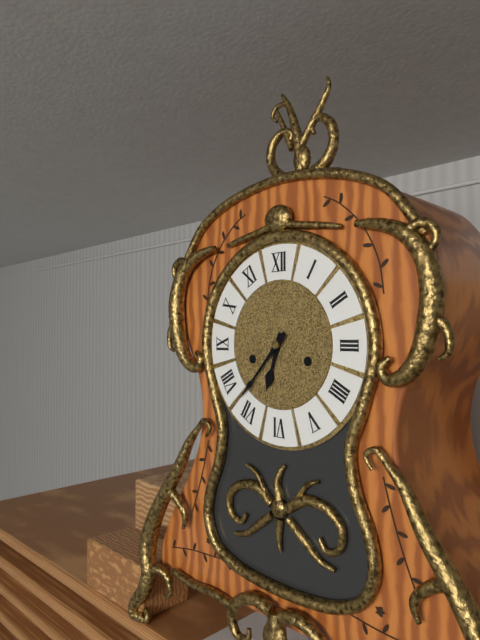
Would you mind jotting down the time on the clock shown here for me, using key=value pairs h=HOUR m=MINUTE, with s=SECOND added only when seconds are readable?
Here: h=6 m=37
